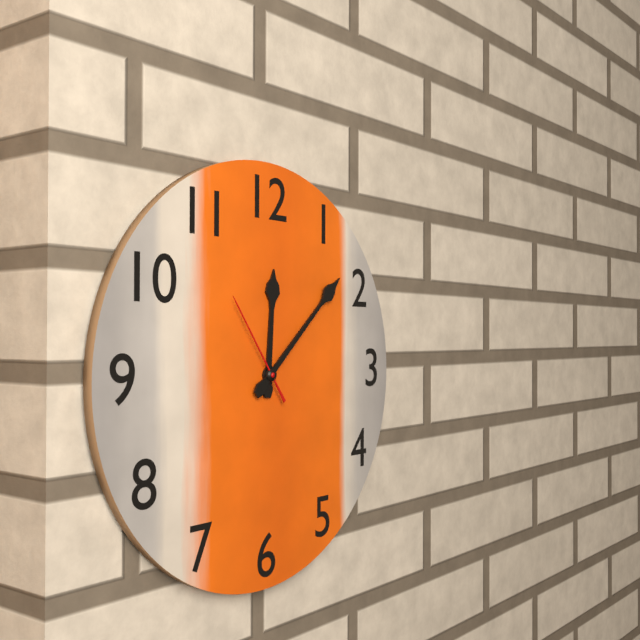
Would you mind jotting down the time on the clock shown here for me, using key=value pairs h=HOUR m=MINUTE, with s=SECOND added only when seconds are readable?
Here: h=12 m=8 s=54
